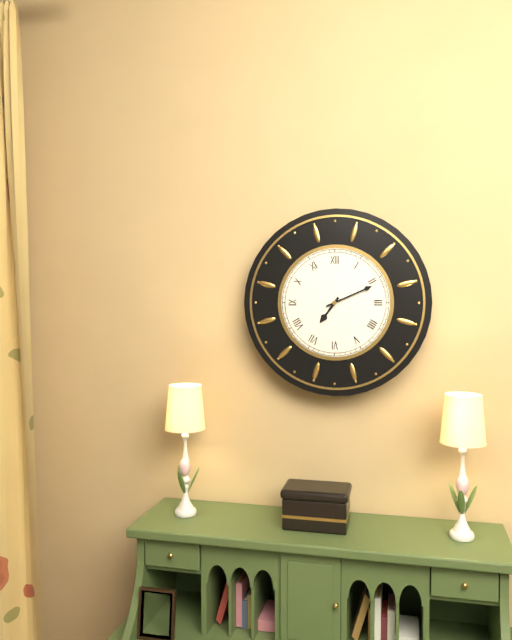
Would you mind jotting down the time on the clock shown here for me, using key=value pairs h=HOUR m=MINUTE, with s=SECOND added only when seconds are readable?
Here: h=7 m=11
